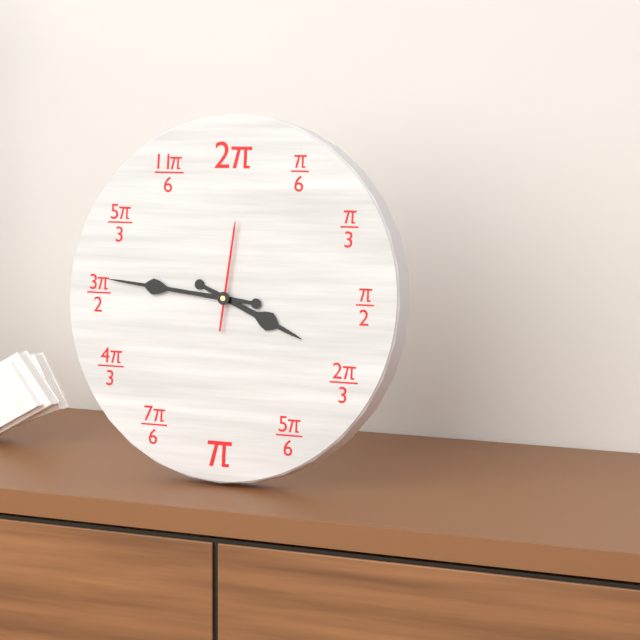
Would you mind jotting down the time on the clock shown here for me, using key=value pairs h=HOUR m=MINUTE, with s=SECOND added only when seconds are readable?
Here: h=3 m=46 s=1
